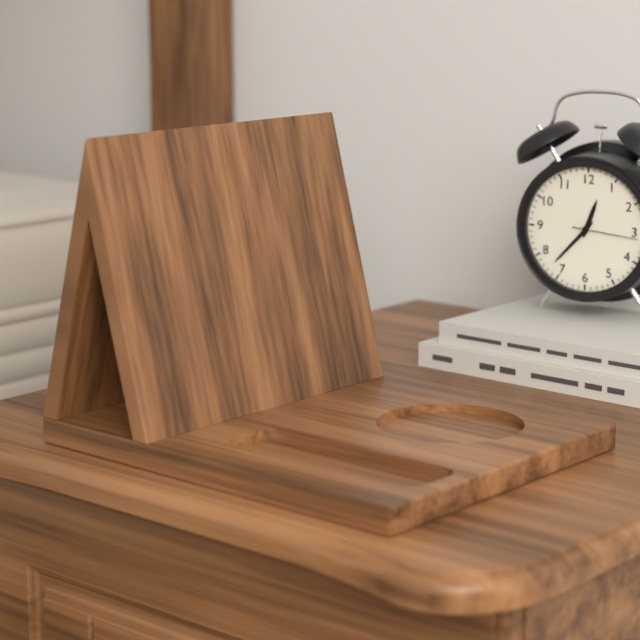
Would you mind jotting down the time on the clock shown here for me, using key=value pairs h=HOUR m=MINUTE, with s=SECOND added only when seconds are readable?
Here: h=12 m=37 s=16
